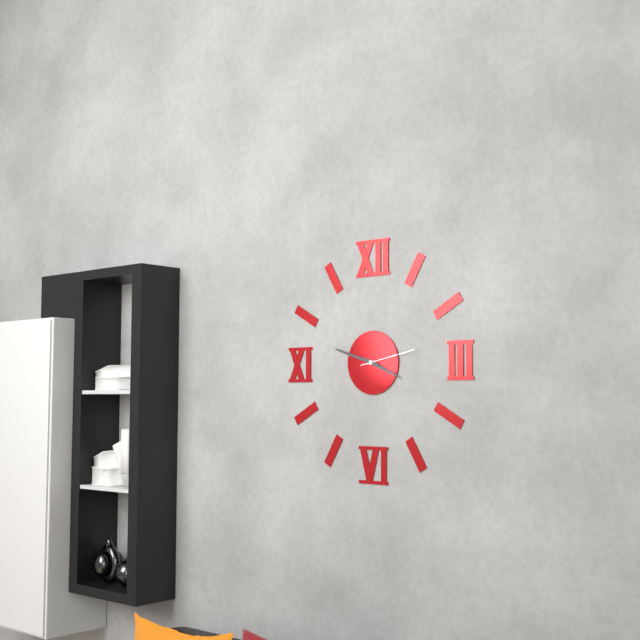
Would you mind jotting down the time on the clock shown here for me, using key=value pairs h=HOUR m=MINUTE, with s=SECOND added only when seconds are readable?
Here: h=3 m=48 s=13
